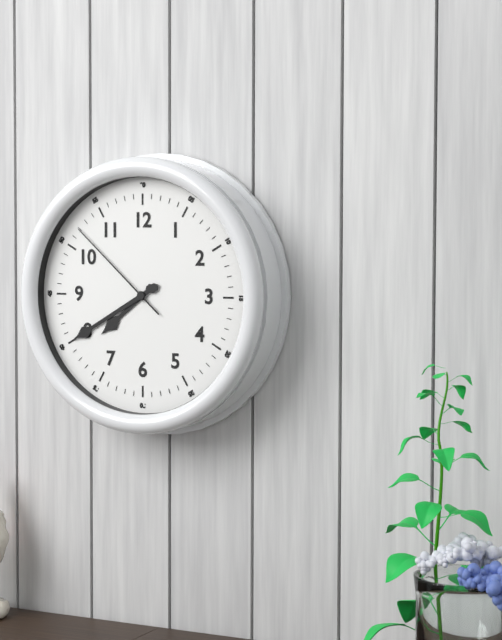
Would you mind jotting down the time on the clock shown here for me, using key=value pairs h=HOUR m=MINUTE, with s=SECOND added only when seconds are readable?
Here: h=7 m=40 s=52
